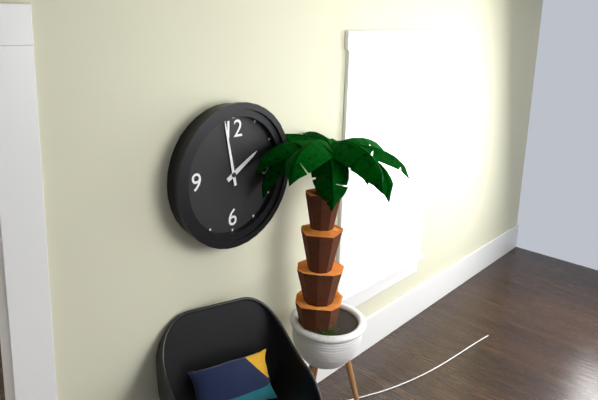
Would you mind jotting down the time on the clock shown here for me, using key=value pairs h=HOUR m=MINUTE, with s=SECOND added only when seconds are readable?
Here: h=1 m=58
